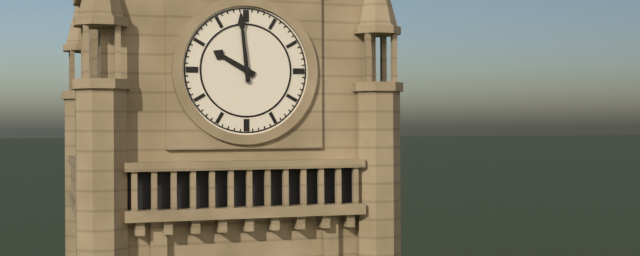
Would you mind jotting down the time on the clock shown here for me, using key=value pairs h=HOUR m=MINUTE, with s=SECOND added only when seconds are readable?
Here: h=9 m=59
